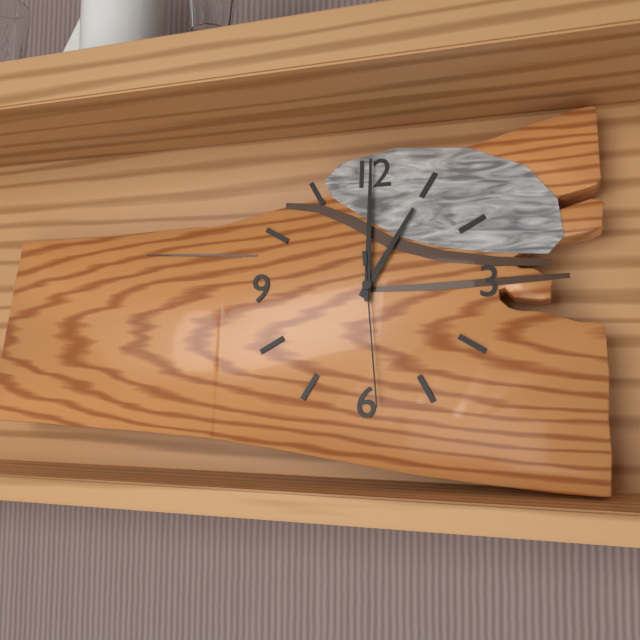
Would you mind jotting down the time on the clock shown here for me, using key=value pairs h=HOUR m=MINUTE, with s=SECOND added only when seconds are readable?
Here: h=1 m=0 s=29
